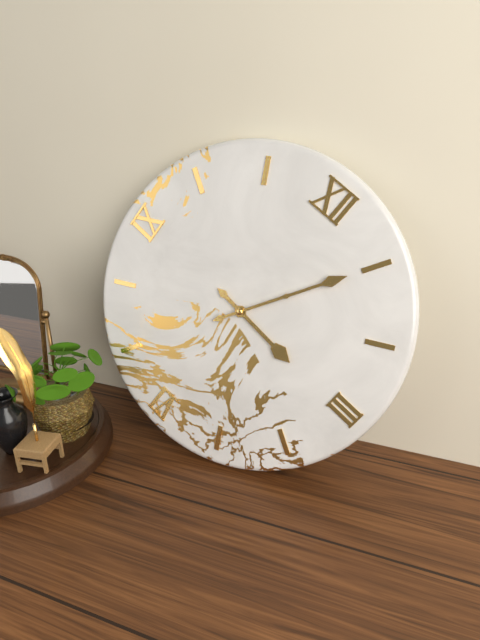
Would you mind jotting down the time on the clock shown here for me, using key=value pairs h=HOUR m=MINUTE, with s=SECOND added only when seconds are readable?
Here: h=3 m=5
